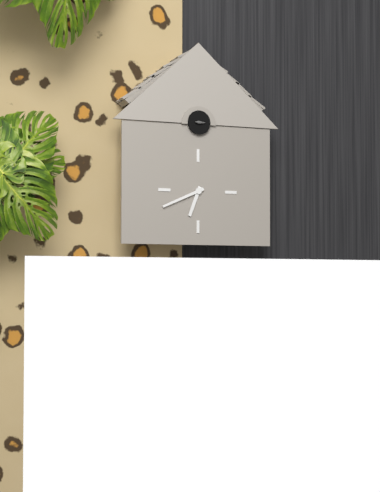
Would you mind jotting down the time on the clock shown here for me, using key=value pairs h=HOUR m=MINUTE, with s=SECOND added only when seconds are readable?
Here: h=6 m=41
